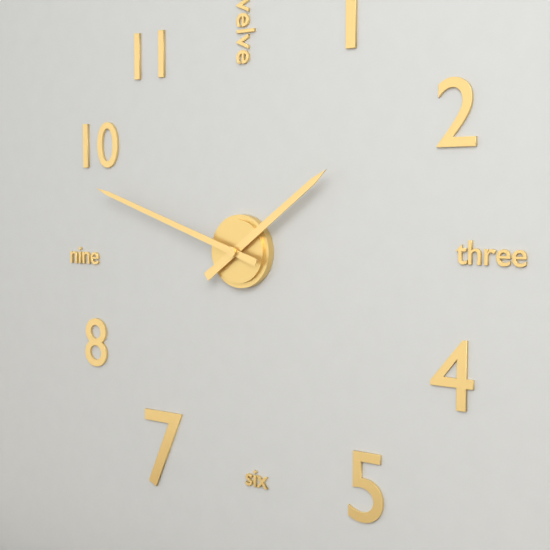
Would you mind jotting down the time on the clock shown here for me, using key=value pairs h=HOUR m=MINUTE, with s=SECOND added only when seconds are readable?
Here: h=1 m=48
